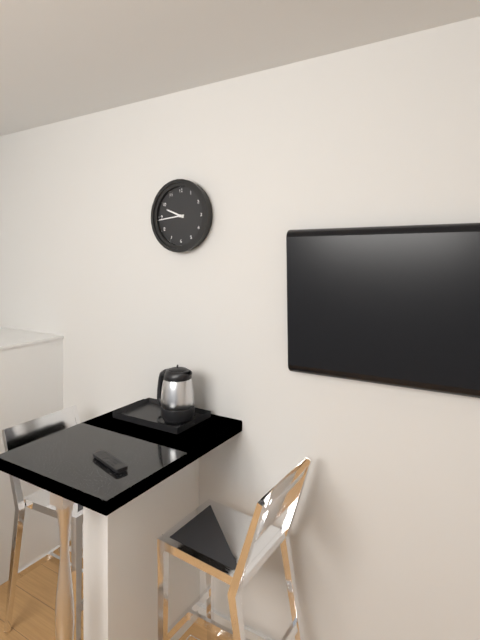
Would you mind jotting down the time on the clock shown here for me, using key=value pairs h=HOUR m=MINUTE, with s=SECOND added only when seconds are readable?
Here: h=9 m=44
